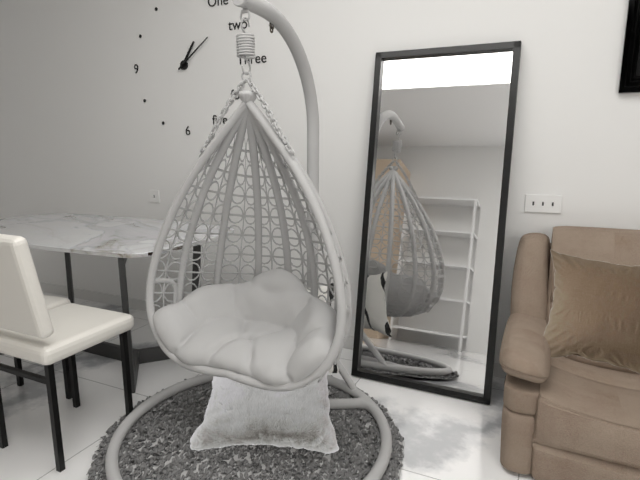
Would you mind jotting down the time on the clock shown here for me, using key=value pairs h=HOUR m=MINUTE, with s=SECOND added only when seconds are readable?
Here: h=1 m=9
